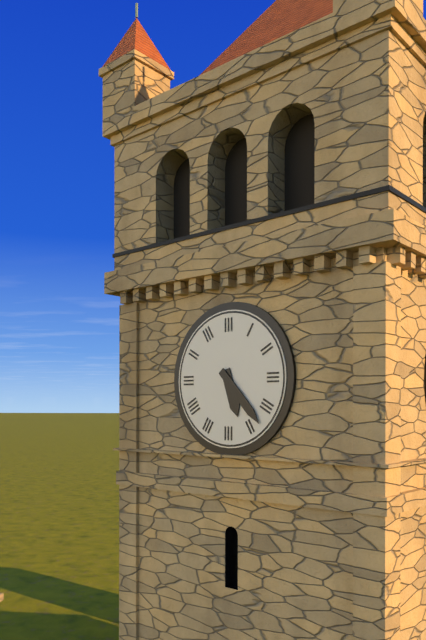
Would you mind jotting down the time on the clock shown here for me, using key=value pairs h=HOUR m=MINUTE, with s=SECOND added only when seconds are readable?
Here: h=5 m=23
